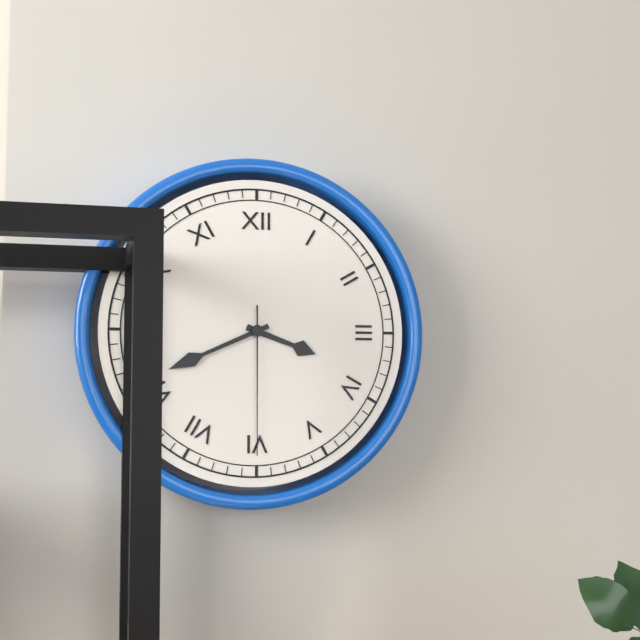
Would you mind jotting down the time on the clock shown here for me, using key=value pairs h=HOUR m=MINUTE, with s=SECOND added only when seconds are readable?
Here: h=3 m=41 s=30
